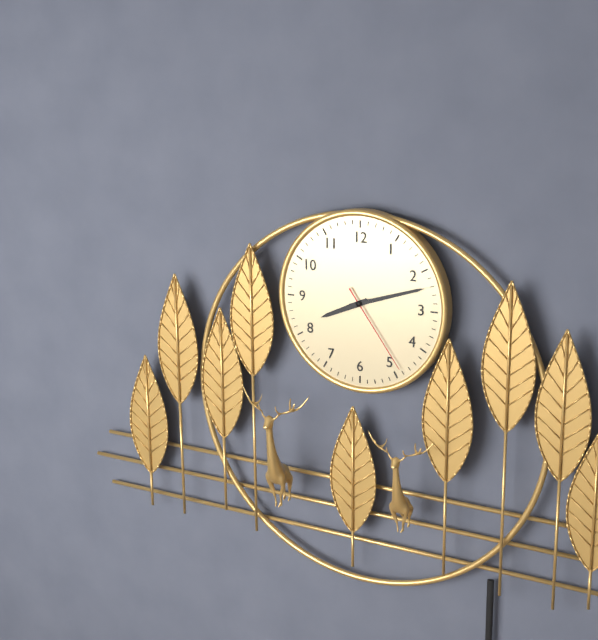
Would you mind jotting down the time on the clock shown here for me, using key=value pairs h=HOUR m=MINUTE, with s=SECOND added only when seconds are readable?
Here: h=8 m=12 s=24
